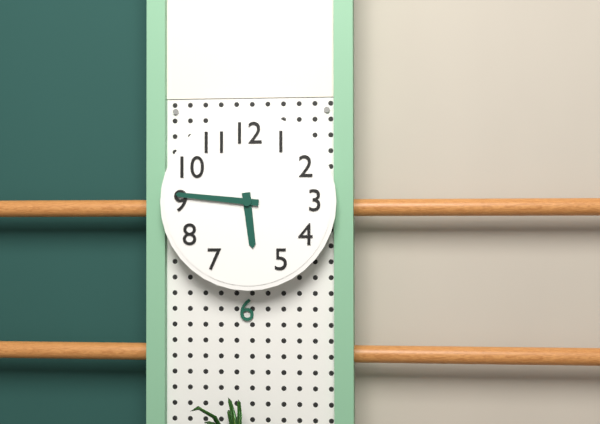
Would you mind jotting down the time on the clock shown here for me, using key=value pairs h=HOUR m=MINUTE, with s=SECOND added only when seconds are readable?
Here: h=5 m=46
